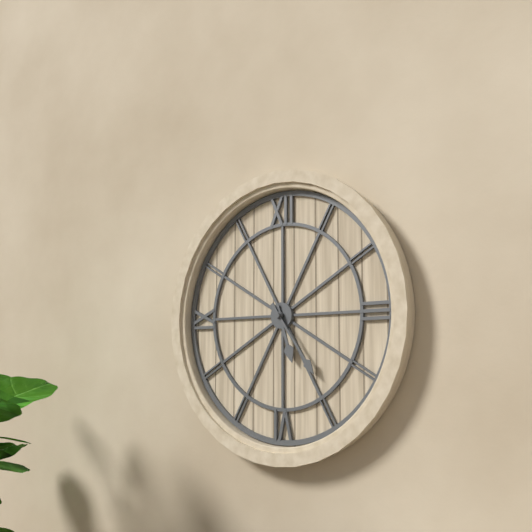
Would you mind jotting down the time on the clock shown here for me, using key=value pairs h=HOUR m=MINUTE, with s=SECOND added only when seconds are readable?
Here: h=5 m=24
